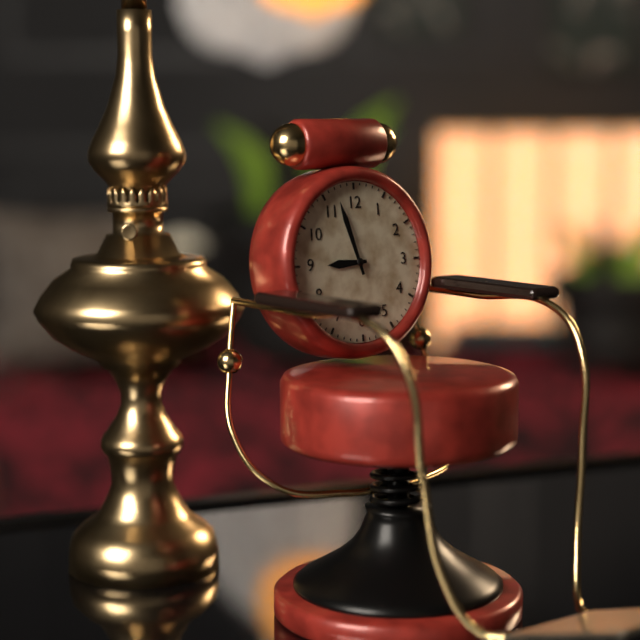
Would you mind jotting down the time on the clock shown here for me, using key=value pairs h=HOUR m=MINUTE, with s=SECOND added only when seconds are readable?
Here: h=8 m=57
